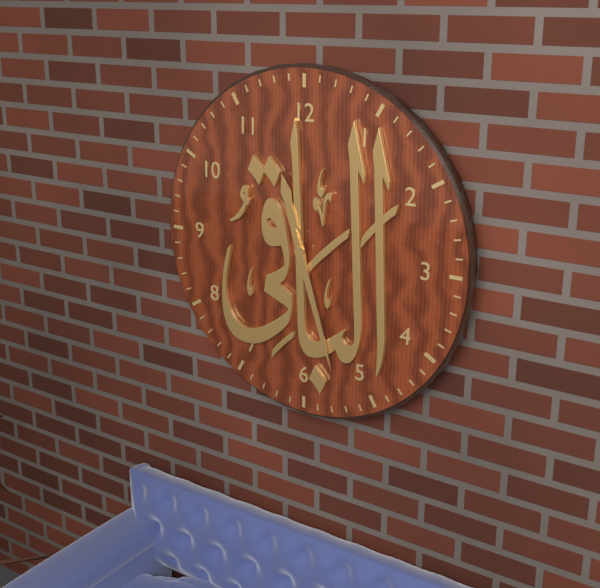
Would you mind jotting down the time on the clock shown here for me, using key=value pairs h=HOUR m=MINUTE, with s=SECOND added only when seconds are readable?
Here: h=11 m=27
